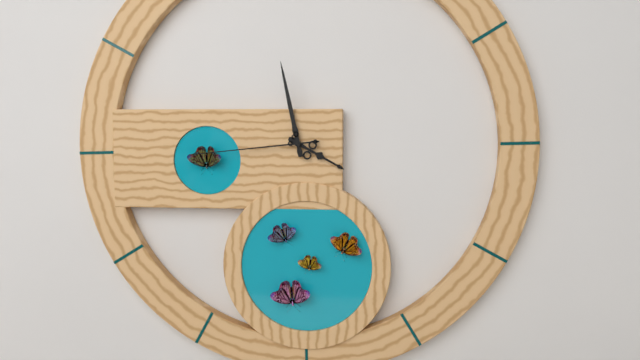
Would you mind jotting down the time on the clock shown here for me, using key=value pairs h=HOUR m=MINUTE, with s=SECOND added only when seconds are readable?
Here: h=3 m=58 s=44
